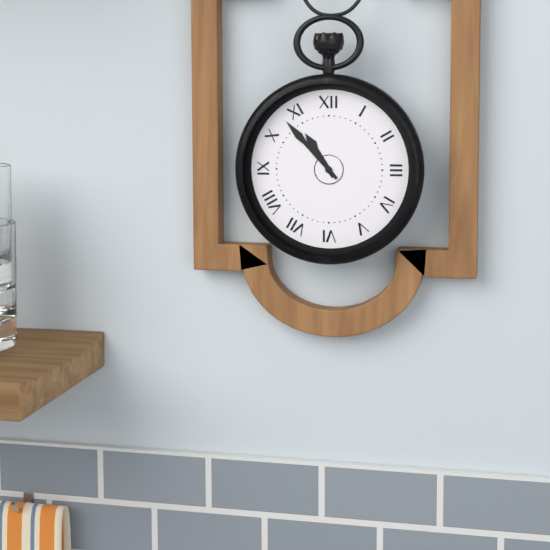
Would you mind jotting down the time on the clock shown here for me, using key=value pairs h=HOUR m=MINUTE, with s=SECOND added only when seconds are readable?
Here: h=10 m=53
